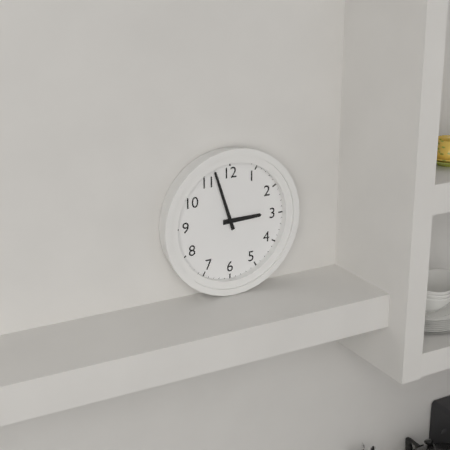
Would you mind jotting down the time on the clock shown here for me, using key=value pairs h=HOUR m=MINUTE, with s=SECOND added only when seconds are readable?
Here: h=2 m=57
